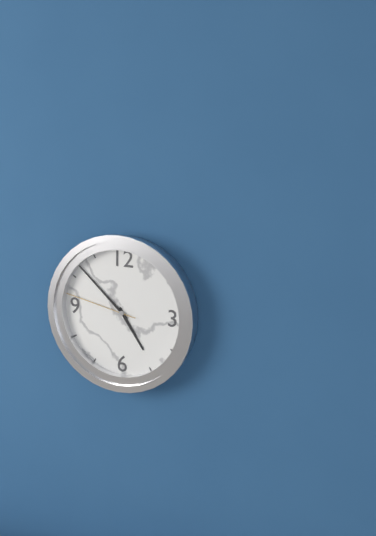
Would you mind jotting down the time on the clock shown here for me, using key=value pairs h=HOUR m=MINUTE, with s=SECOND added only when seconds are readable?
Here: h=4 m=52 s=47
